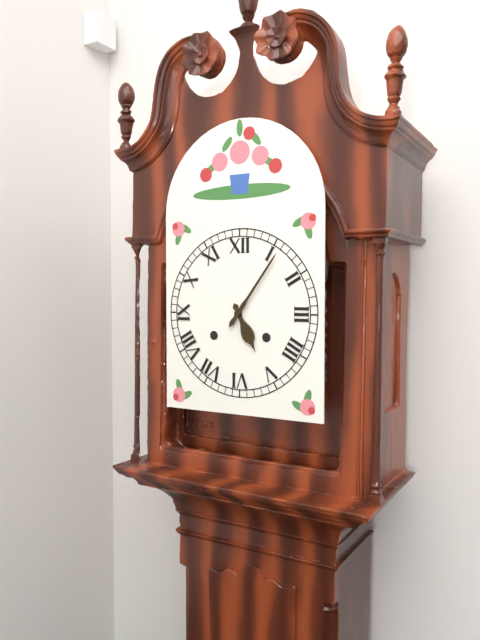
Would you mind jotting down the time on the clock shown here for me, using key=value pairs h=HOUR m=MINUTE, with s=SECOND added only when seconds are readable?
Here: h=5 m=6
